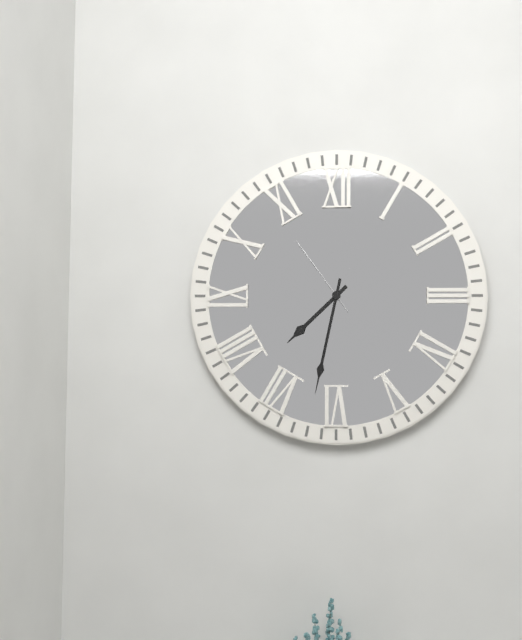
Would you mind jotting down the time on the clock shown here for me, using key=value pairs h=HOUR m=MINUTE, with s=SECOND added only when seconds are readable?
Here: h=7 m=32 s=54
